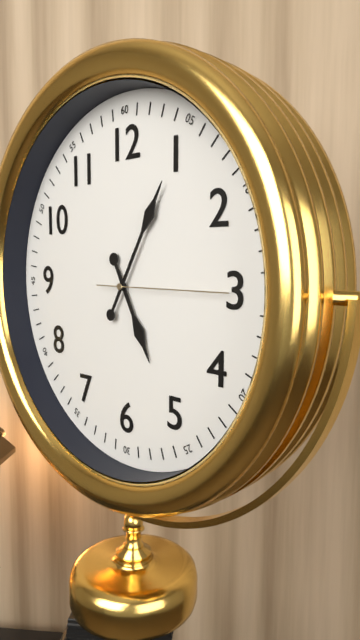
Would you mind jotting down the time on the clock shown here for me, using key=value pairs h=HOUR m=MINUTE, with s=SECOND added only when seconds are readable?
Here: h=5 m=5 s=15
